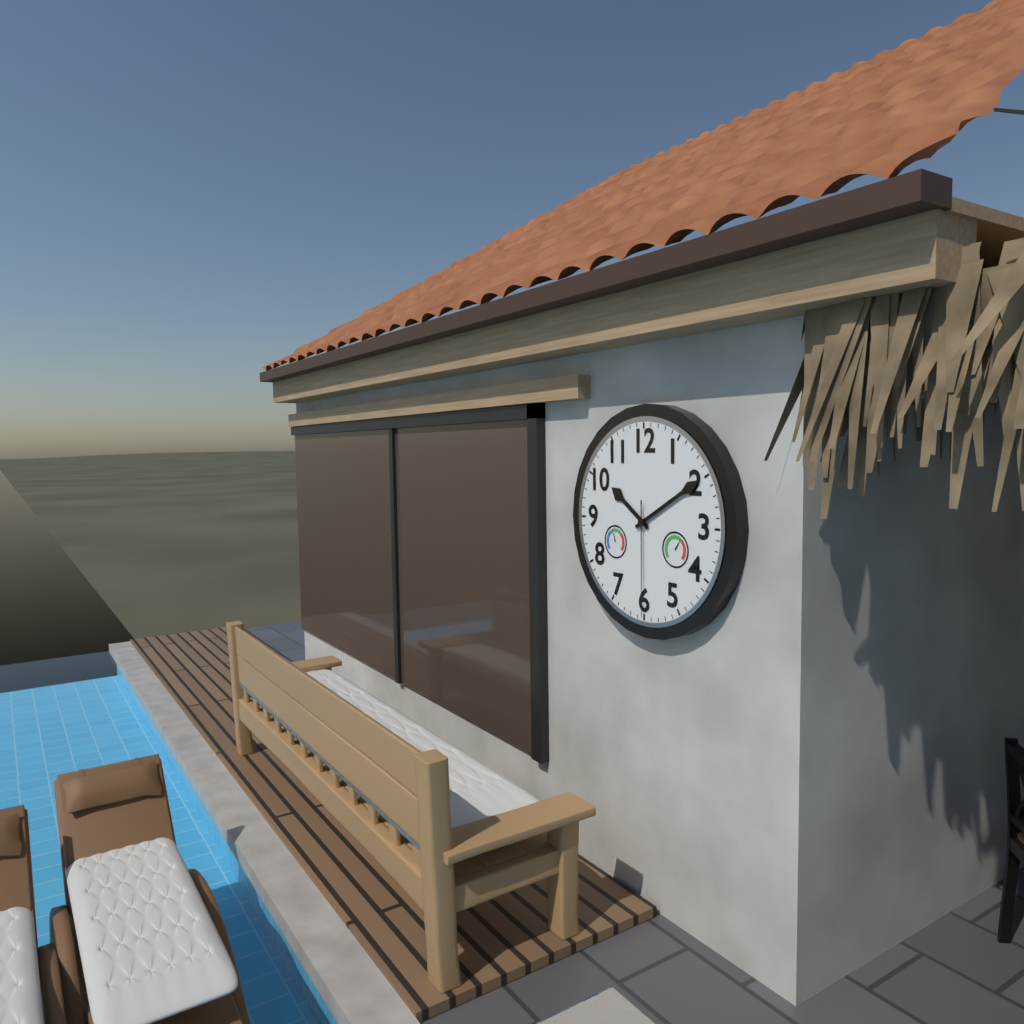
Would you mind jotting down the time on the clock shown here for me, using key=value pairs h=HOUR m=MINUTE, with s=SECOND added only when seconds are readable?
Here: h=10 m=10 s=30
